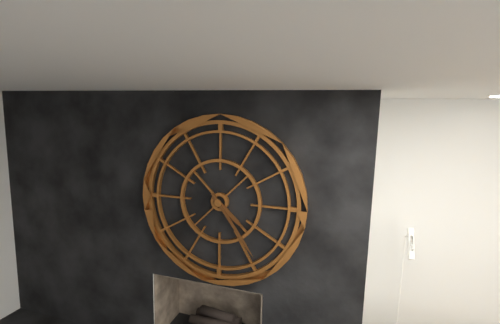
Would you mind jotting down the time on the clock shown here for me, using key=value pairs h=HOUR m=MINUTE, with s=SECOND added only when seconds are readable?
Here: h=4 m=24
